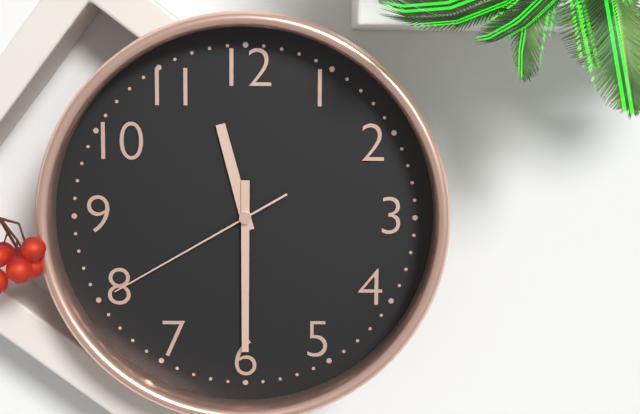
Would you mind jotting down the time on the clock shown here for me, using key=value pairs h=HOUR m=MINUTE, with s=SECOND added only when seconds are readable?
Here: h=11 m=30 s=40
